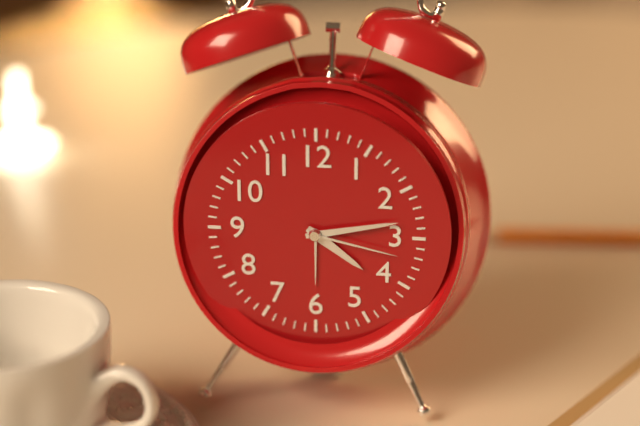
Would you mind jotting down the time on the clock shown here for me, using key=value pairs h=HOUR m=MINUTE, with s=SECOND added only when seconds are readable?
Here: h=4 m=13 s=17
